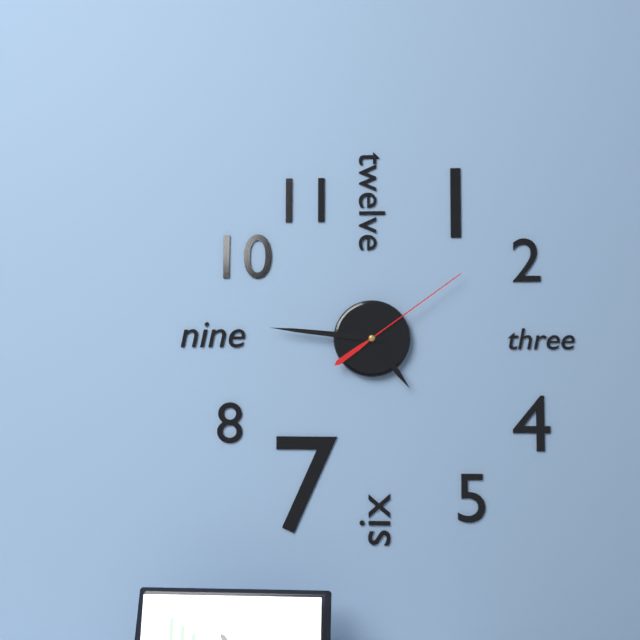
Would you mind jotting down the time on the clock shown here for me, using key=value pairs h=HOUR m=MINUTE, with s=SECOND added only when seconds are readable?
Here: h=4 m=46 s=9
